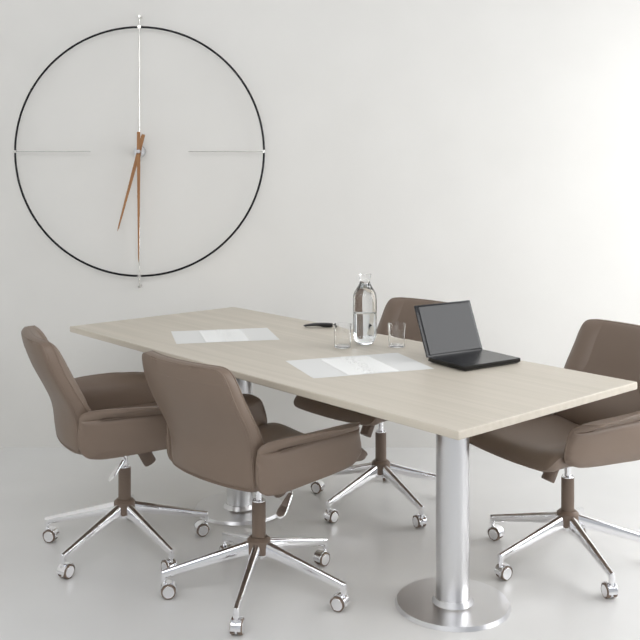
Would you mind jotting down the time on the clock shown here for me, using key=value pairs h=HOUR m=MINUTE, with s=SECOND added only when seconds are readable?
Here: h=6 m=30
